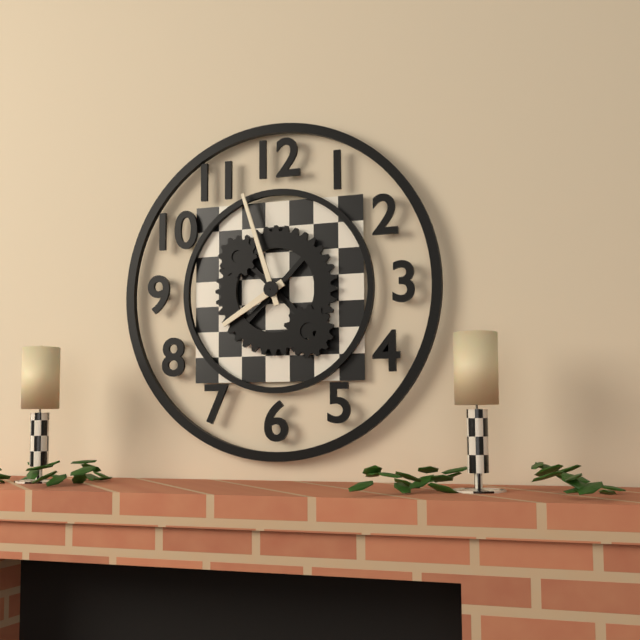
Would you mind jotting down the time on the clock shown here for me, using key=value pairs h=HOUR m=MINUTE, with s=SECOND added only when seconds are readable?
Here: h=7 m=57
